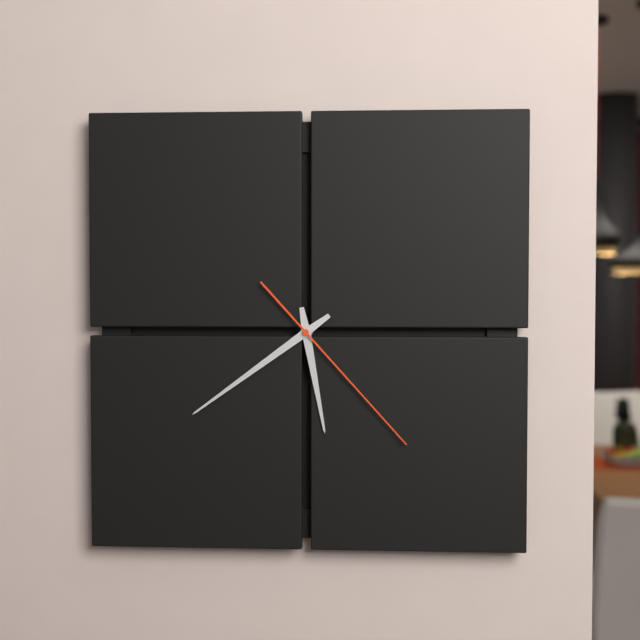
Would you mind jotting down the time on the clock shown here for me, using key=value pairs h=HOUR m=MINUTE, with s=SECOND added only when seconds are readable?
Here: h=5 m=39 s=23
